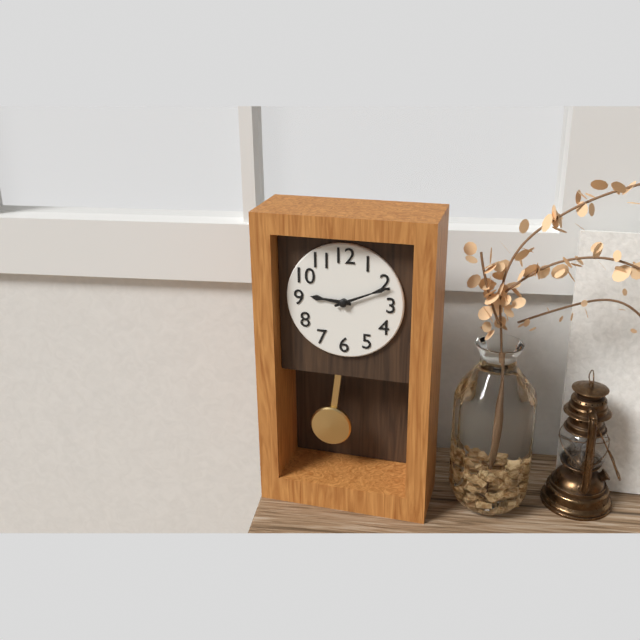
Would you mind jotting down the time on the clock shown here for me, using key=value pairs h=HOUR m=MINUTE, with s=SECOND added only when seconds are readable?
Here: h=9 m=11
